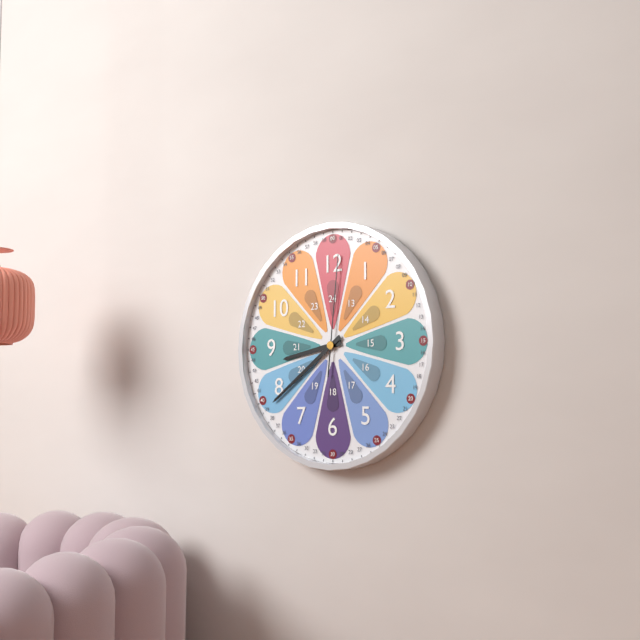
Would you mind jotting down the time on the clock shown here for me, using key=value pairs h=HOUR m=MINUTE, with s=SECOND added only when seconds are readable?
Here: h=8 m=39 s=1
